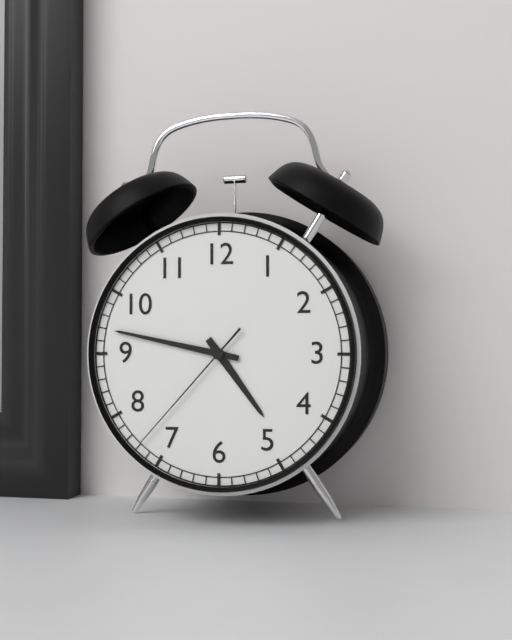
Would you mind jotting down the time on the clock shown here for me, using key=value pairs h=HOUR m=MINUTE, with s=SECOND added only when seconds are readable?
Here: h=4 m=47 s=37
